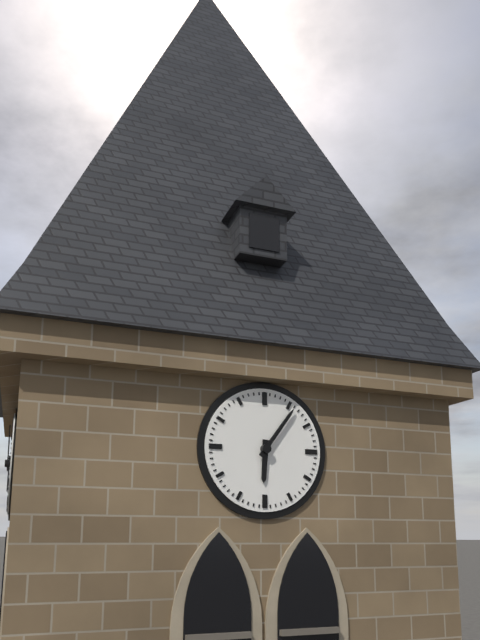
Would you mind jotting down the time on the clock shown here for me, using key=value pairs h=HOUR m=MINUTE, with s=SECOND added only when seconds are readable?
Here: h=6 m=6
